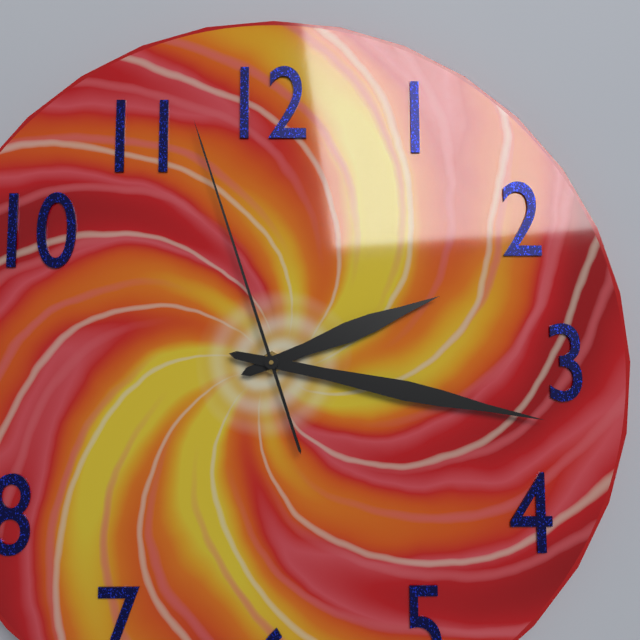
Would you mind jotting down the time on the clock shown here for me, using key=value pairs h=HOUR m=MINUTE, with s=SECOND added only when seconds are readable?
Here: h=2 m=17 s=57
